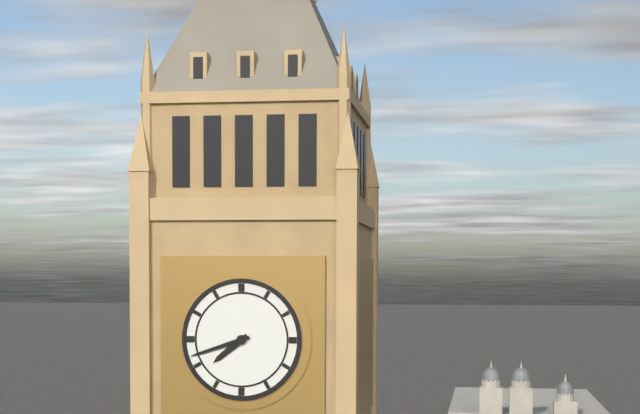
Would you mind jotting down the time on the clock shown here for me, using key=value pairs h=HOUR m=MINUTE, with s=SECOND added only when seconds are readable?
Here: h=7 m=42
